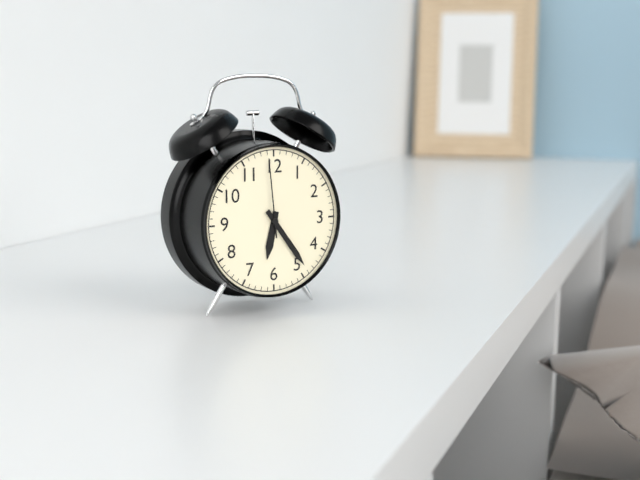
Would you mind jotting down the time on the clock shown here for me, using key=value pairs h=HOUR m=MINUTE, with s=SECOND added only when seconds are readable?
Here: h=6 m=24 s=59
